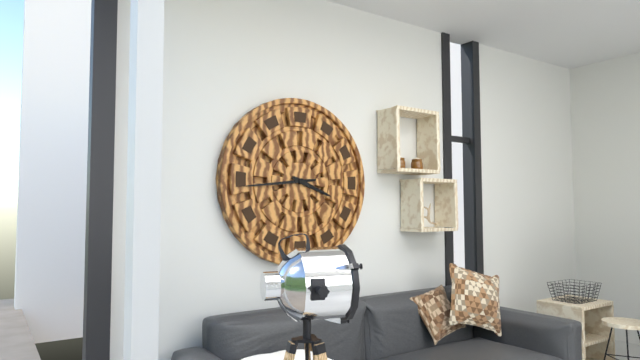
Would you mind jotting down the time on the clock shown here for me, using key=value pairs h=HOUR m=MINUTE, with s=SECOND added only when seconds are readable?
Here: h=3 m=44
